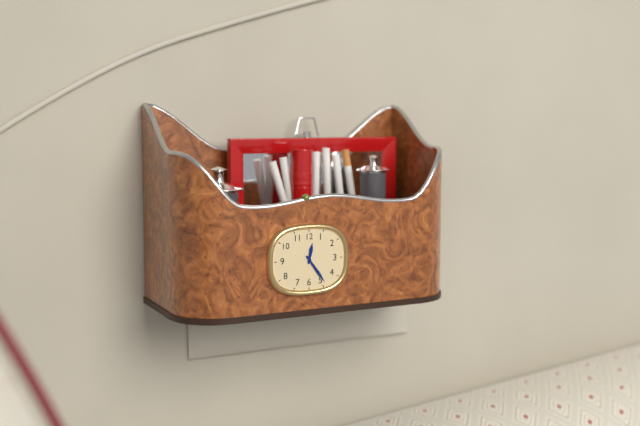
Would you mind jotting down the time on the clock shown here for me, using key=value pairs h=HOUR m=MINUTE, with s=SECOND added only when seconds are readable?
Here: h=12 m=24
